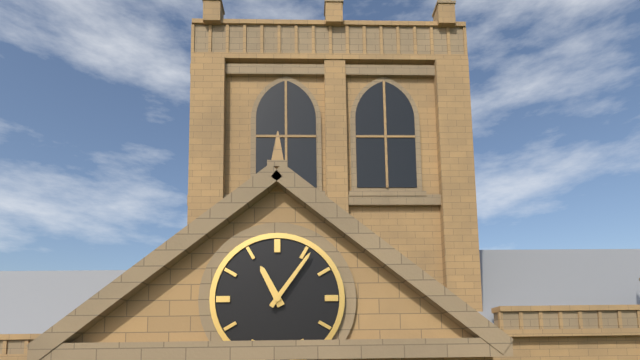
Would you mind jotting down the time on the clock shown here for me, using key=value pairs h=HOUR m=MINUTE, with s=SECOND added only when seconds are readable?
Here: h=11 m=6
